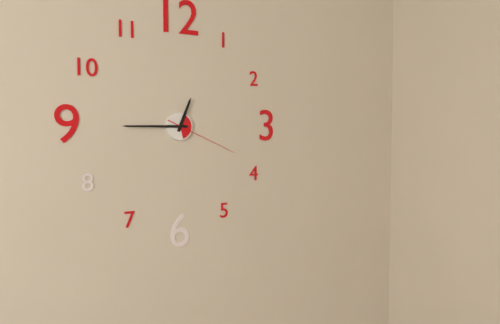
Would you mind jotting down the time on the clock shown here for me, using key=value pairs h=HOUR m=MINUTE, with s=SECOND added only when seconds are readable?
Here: h=12 m=45 s=19
